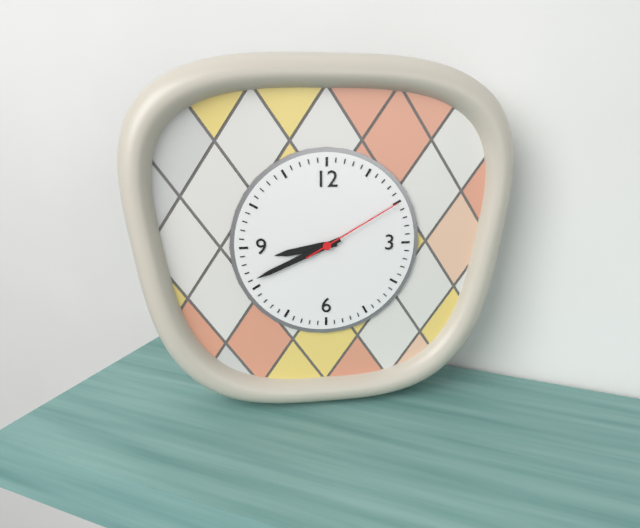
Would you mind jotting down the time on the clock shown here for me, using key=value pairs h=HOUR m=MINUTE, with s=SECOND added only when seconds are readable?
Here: h=8 m=41 s=10
